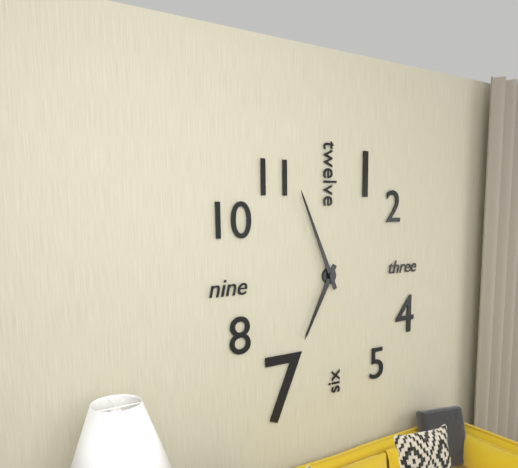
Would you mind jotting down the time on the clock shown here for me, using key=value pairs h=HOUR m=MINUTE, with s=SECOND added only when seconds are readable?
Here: h=6 m=56
